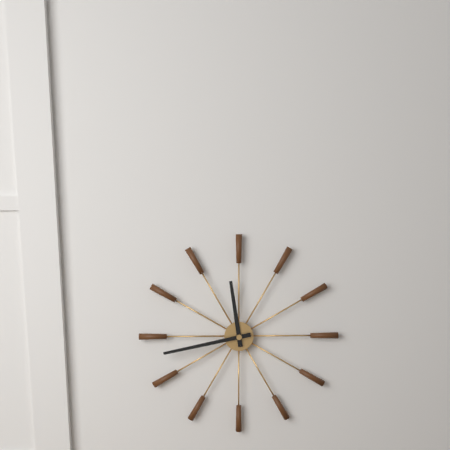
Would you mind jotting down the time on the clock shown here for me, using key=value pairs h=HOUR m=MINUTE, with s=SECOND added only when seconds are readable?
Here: h=11 m=43
